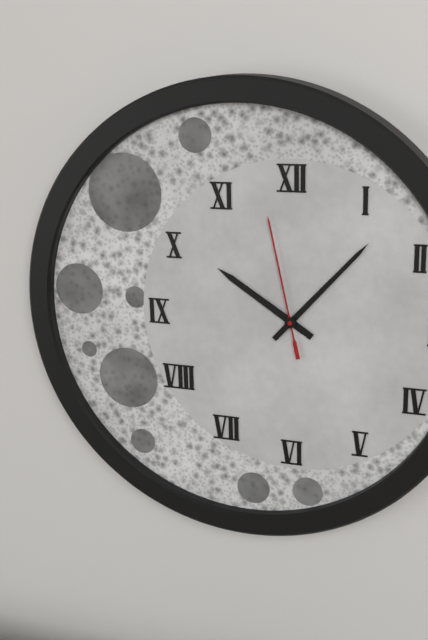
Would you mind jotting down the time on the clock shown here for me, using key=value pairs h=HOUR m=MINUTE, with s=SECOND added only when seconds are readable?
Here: h=10 m=7 s=58
